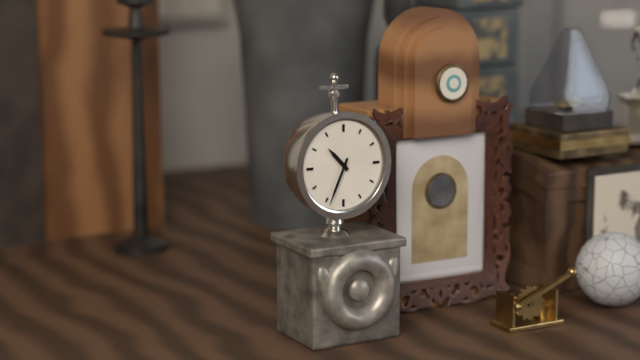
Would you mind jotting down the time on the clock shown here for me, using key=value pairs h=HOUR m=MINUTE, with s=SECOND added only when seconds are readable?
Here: h=10 m=34
